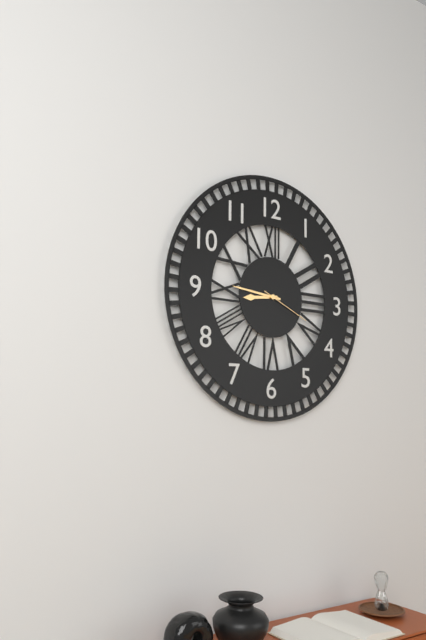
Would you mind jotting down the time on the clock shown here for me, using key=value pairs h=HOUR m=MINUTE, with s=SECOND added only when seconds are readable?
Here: h=8 m=46 s=19
